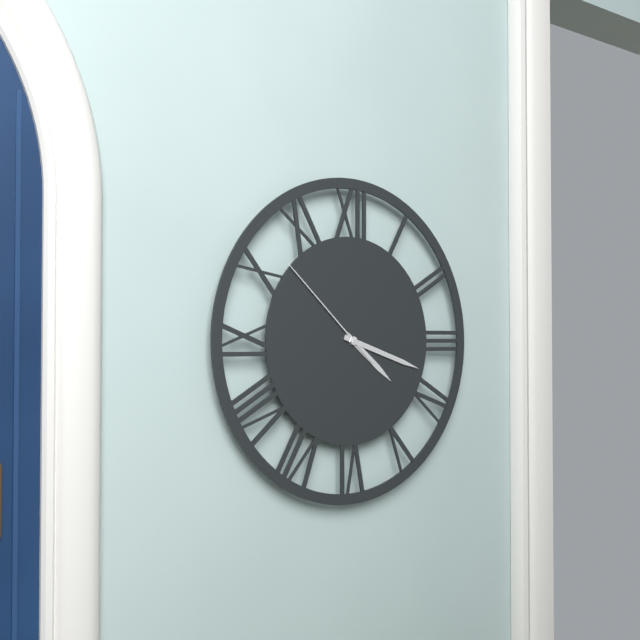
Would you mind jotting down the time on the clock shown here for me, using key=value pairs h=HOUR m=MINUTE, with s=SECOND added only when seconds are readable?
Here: h=4 m=18 s=52
